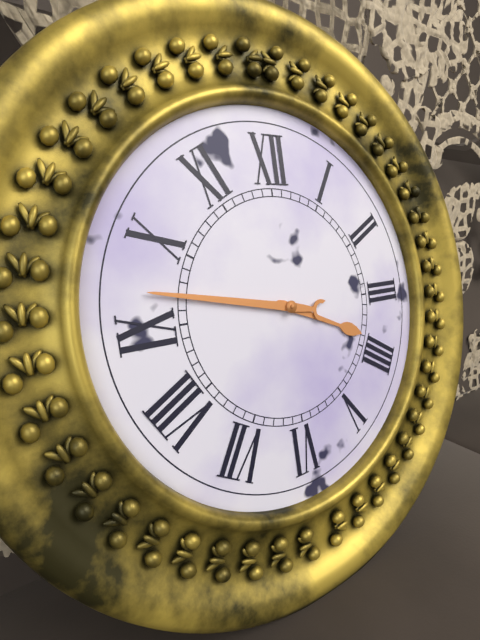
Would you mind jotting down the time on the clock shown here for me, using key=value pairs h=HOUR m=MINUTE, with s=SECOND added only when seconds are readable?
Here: h=3 m=47
